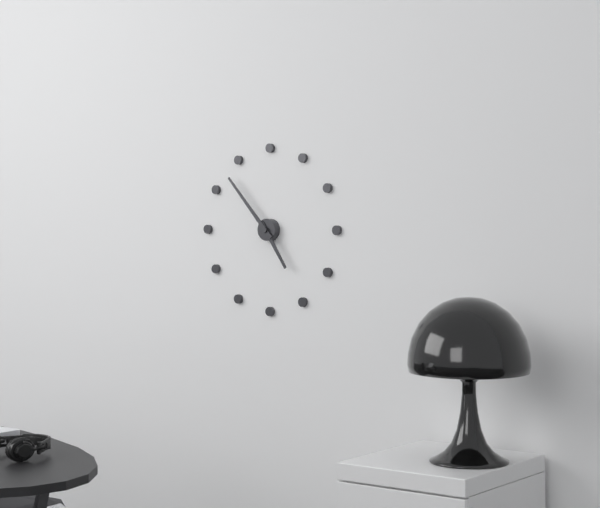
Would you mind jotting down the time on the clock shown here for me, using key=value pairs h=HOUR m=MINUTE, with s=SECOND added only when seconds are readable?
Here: h=4 m=53
